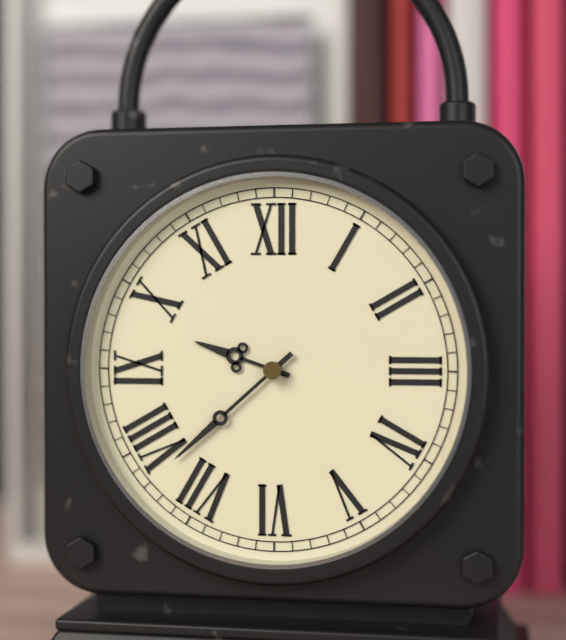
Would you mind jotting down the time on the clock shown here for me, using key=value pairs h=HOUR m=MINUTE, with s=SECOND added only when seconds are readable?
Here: h=9 m=38
